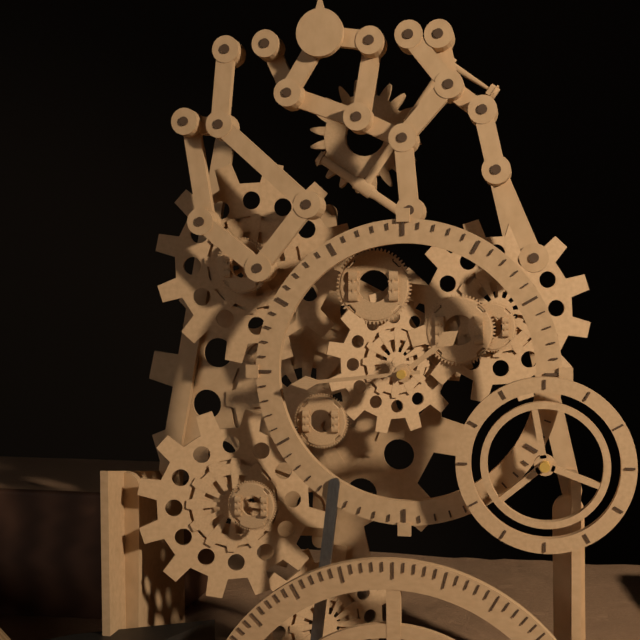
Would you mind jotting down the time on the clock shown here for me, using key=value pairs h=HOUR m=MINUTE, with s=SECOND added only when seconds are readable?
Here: h=1 m=44
